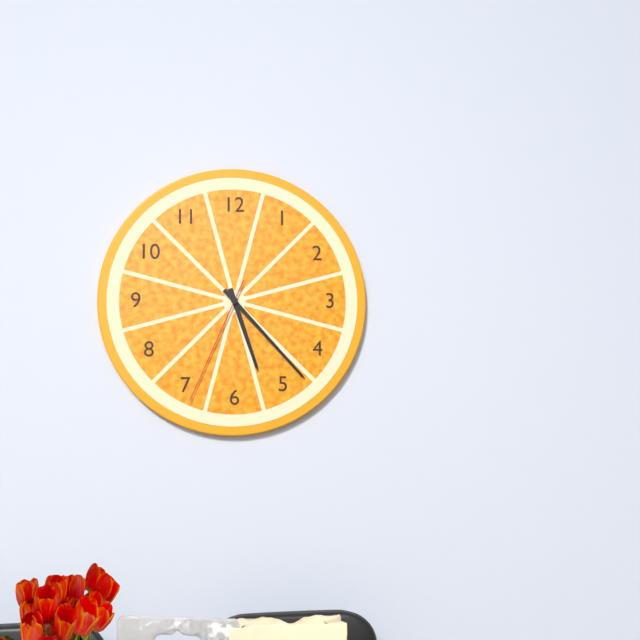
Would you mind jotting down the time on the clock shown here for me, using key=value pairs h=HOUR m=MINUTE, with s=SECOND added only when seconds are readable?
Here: h=5 m=23 s=34
